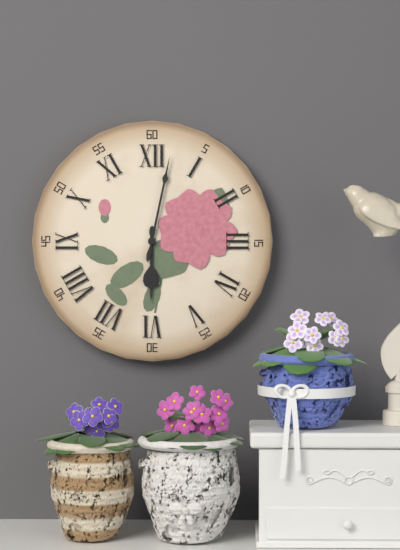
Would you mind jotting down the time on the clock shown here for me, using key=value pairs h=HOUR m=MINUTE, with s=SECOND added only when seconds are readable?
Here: h=6 m=2
